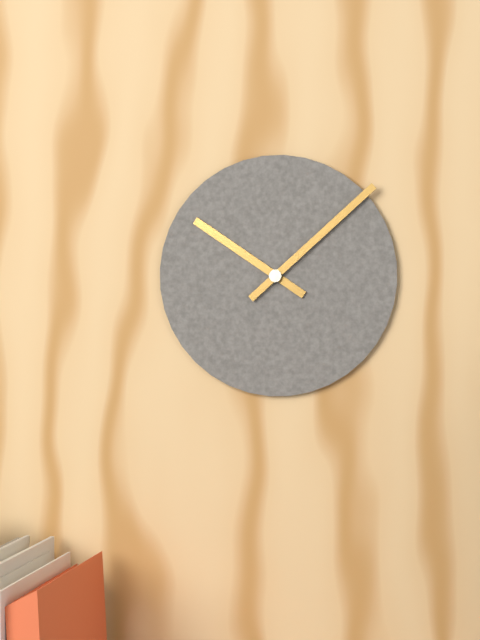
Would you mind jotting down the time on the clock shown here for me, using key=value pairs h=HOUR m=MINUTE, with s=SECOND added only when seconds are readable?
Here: h=10 m=8
